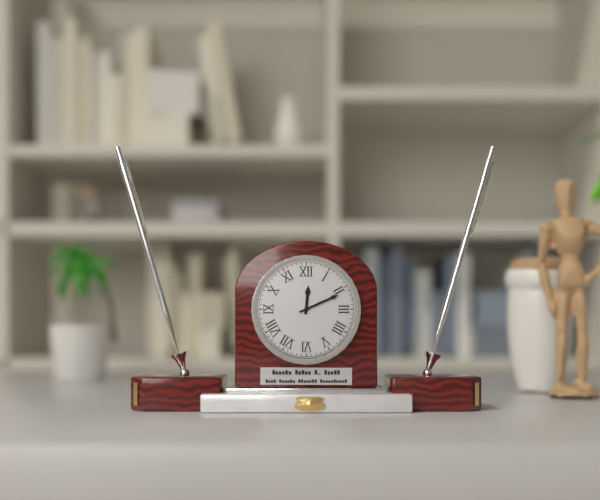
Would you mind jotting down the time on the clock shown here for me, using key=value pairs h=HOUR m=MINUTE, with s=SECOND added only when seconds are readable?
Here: h=12 m=11
